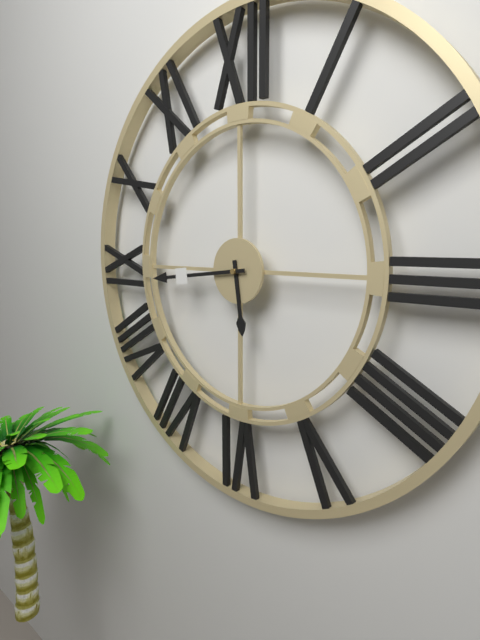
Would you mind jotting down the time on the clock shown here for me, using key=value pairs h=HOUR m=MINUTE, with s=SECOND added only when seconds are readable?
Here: h=5 m=44
